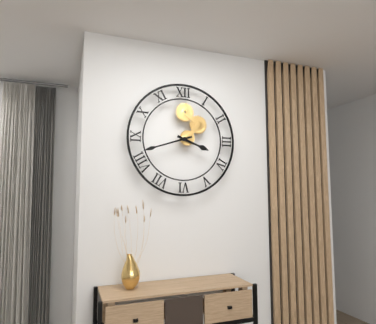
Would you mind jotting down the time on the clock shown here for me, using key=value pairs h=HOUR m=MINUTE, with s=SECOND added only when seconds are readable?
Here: h=3 m=42
